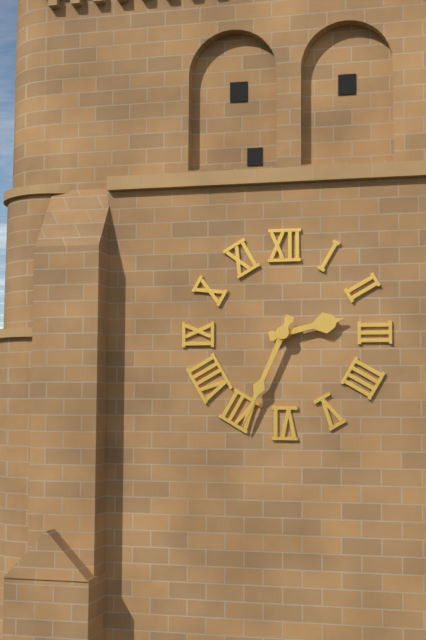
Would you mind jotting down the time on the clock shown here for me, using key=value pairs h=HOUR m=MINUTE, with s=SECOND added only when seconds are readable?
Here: h=2 m=34
